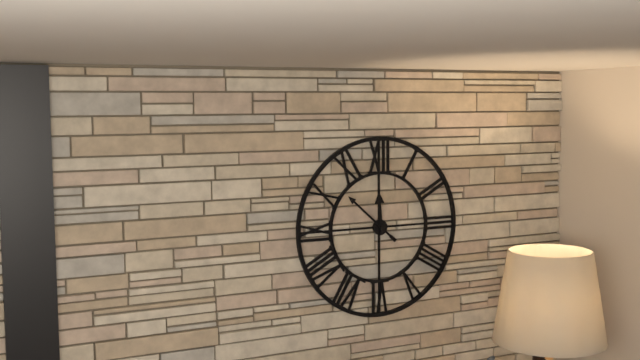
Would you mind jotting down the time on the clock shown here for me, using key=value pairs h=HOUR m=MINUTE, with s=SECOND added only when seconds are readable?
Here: h=11 m=52
